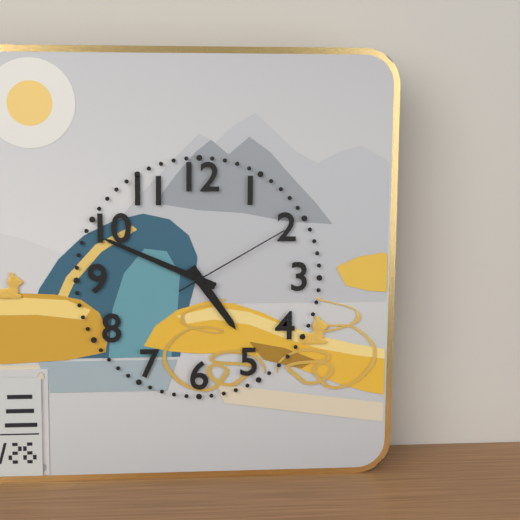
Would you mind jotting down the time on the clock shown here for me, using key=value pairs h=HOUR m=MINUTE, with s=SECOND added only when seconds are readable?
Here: h=4 m=49 s=10
